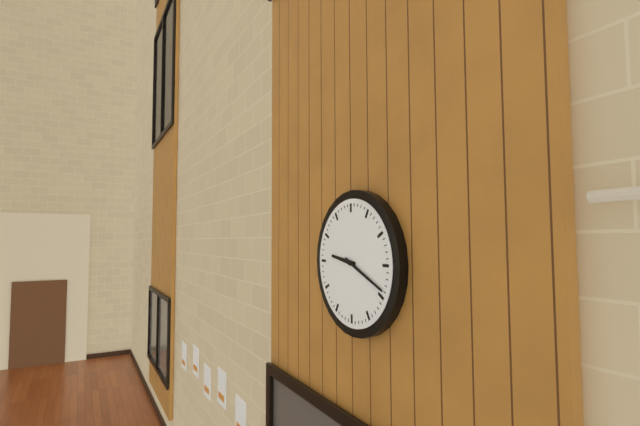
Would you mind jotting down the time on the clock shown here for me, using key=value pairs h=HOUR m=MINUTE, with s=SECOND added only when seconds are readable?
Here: h=9 m=19
